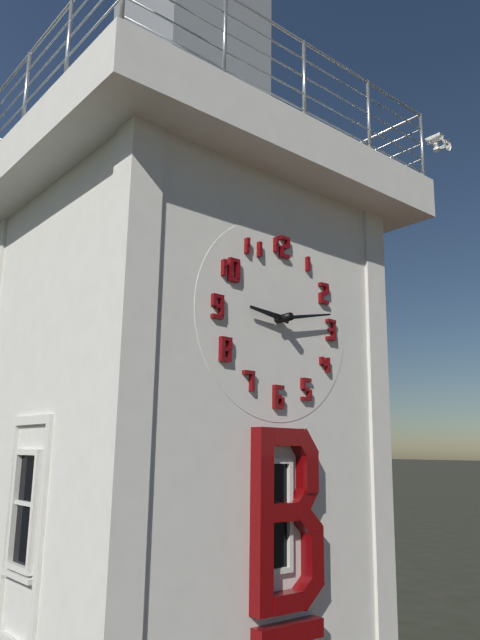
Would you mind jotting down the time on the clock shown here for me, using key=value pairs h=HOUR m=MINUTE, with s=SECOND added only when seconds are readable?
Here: h=9 m=13
